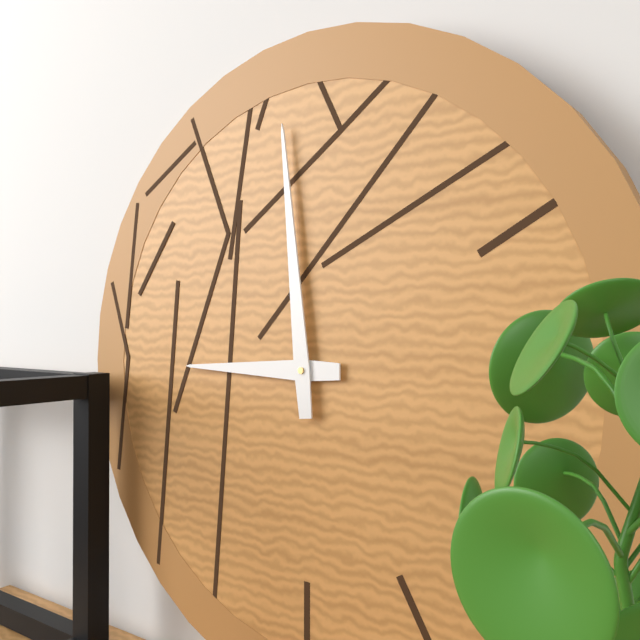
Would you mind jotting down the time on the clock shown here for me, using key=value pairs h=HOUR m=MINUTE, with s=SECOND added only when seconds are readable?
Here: h=8 m=59
